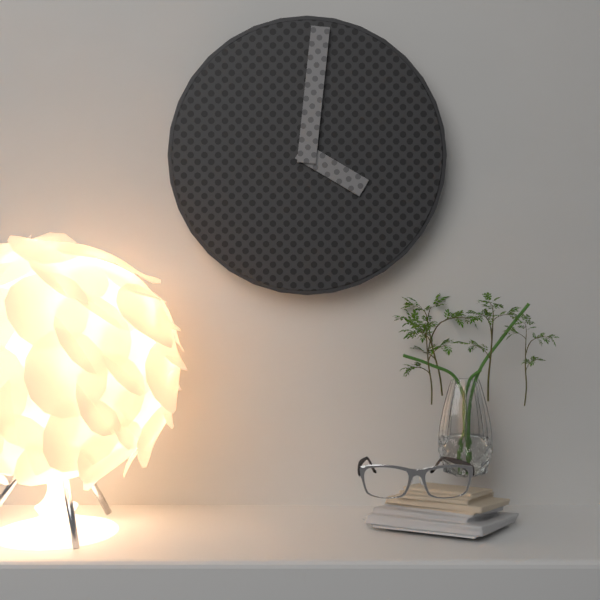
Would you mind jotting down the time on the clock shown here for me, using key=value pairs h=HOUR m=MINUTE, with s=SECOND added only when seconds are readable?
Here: h=4 m=1
